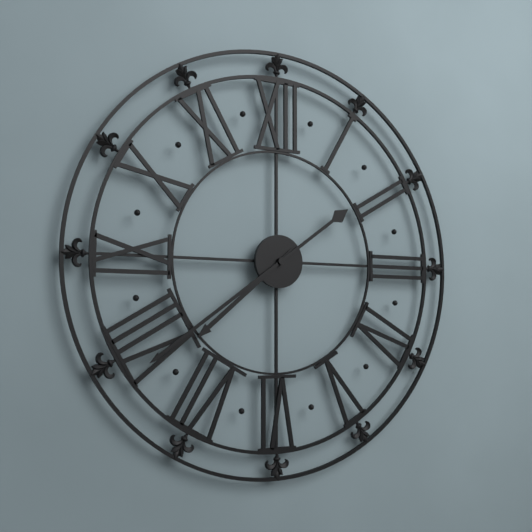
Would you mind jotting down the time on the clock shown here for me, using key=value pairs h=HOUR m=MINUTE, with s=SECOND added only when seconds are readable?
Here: h=7 m=39
